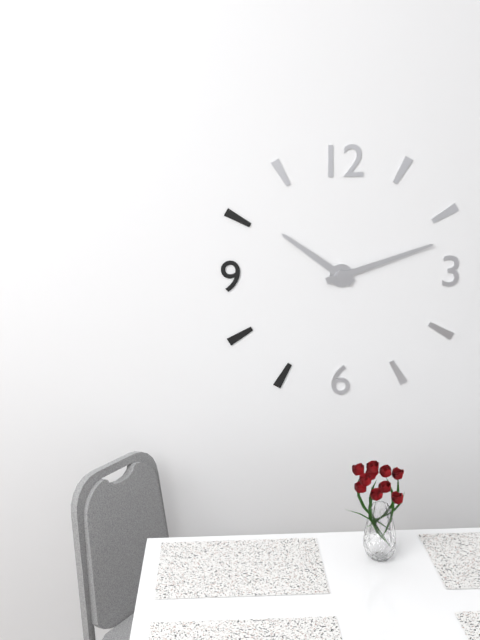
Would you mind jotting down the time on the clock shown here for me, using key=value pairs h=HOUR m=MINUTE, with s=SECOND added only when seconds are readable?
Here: h=10 m=12
